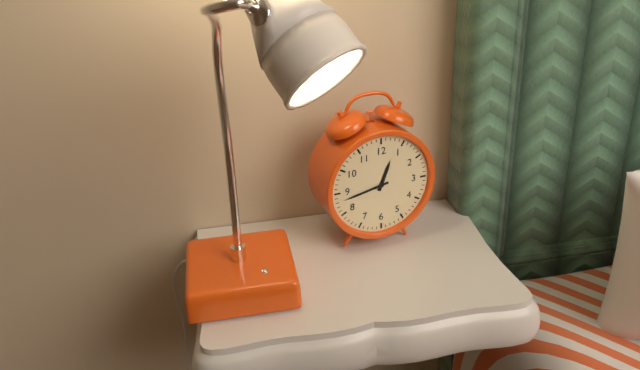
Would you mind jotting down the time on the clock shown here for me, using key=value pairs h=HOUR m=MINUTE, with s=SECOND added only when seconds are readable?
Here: h=12 m=43
